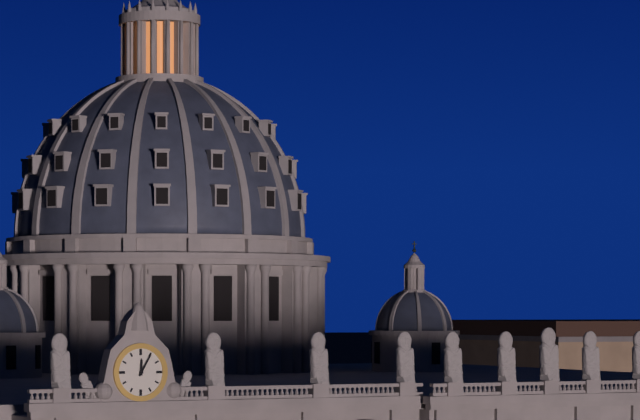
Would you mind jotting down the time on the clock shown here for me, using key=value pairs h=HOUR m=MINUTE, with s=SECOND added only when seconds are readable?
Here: h=12 m=5
